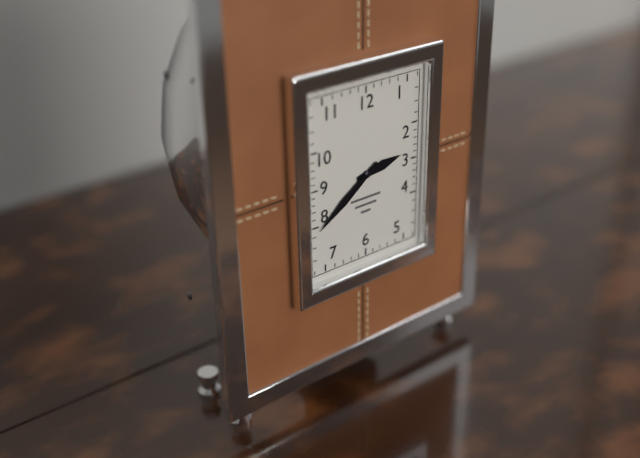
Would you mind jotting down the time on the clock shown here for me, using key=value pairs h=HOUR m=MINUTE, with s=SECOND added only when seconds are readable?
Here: h=2 m=39
